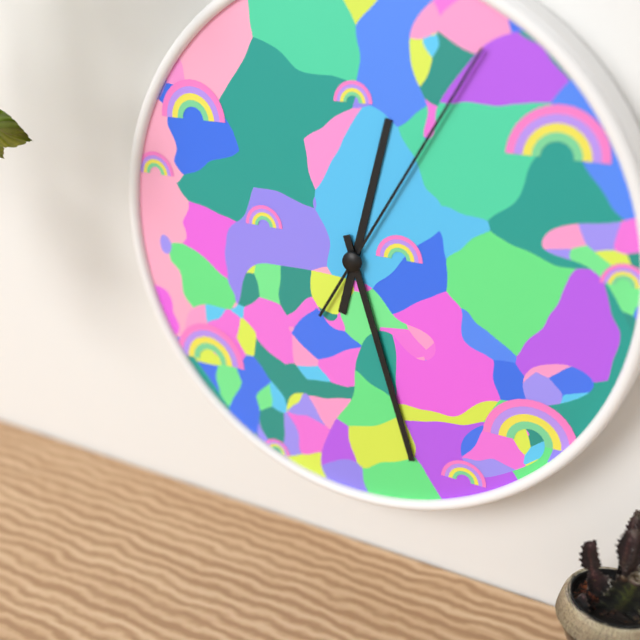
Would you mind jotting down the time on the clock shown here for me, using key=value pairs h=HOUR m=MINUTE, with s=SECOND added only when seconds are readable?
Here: h=12 m=27 s=5
